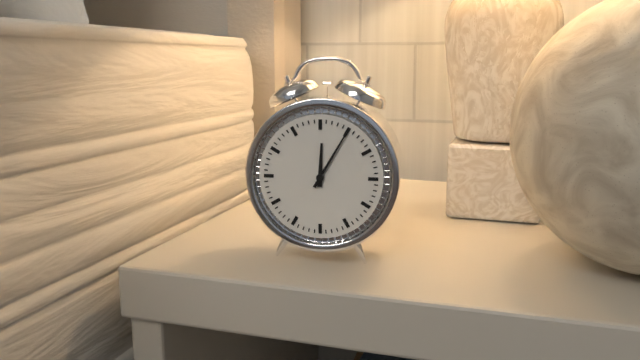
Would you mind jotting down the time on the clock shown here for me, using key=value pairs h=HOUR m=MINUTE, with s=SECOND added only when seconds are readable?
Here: h=12 m=5
